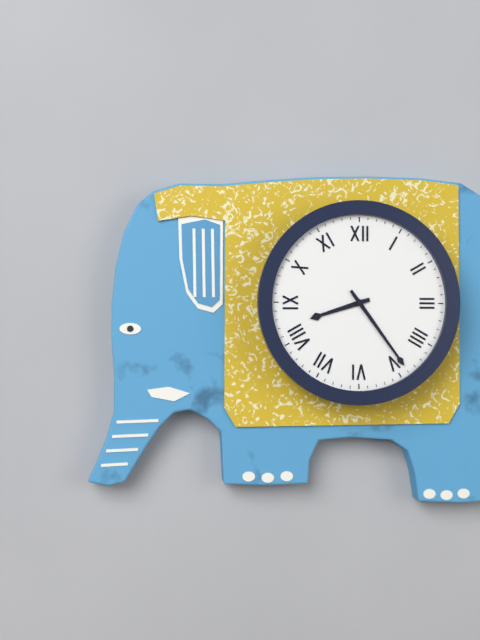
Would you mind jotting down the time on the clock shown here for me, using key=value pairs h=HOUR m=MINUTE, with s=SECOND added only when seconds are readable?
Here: h=8 m=24
